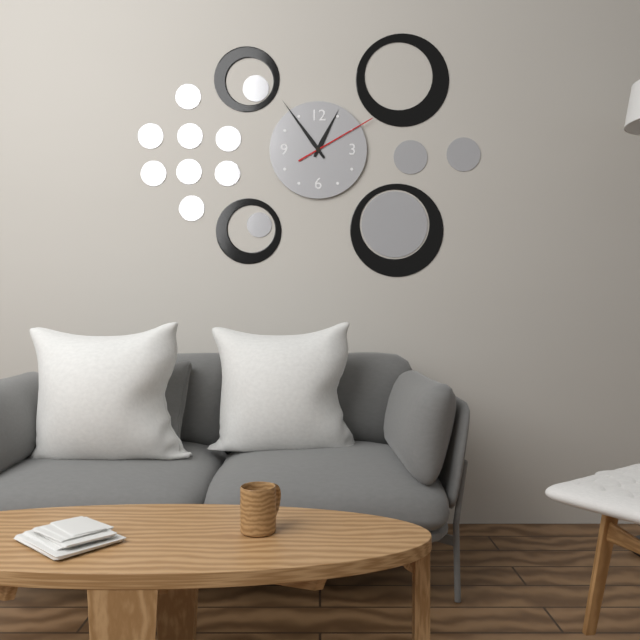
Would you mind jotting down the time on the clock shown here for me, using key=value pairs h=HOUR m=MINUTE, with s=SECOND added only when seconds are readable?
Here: h=12 m=54 s=10
